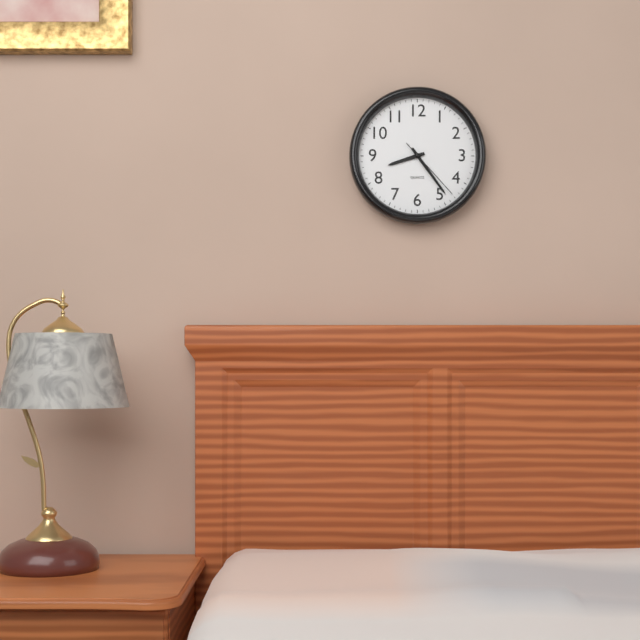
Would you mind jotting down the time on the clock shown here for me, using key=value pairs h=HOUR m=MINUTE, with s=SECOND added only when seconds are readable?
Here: h=8 m=24 s=23
